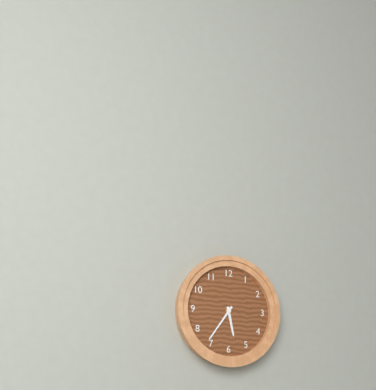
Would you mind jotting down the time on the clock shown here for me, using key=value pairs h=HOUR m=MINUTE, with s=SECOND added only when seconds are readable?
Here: h=5 m=36
